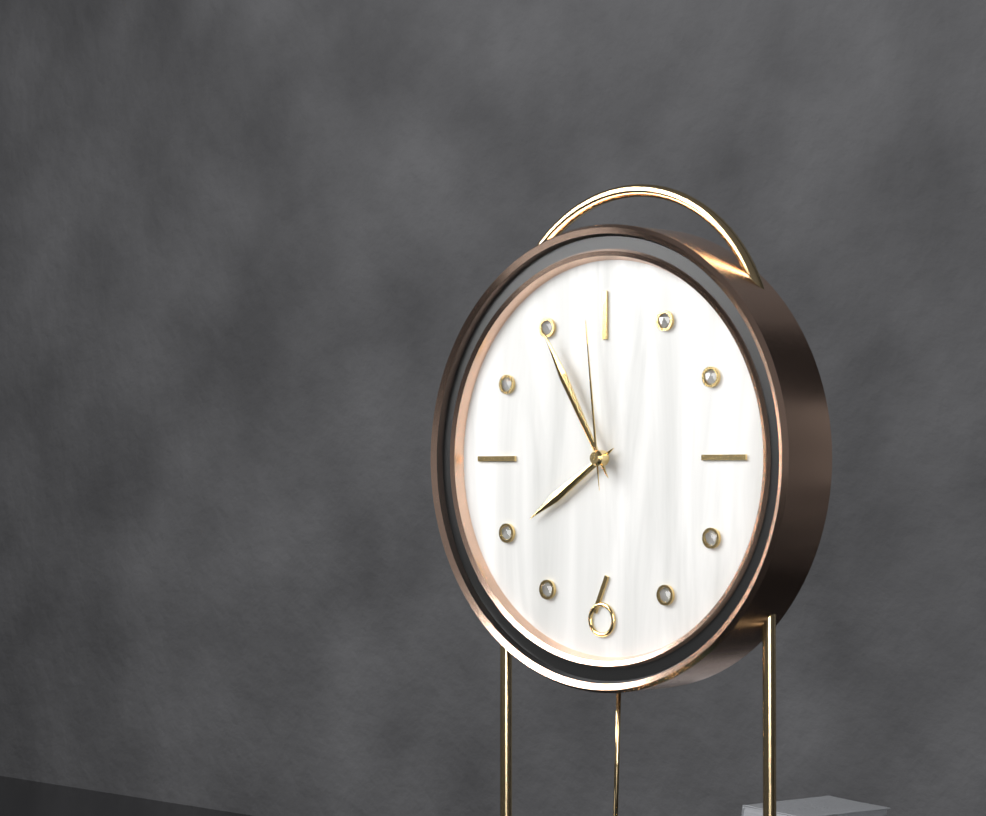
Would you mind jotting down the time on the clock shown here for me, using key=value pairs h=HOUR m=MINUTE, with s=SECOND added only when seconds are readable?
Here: h=7 m=55 s=59
